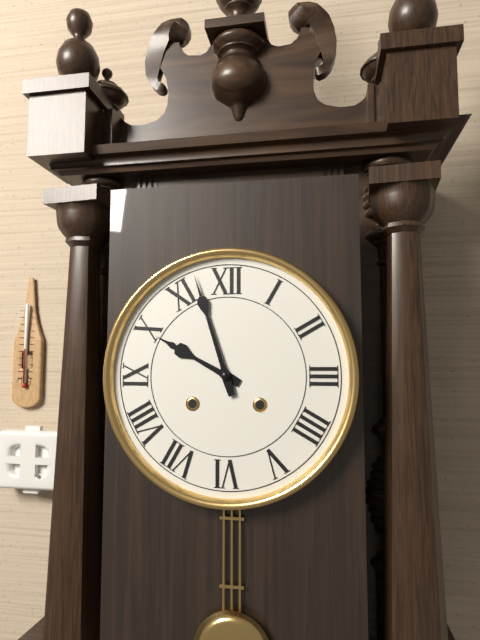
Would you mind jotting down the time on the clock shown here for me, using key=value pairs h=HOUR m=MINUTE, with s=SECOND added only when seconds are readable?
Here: h=9 m=57
